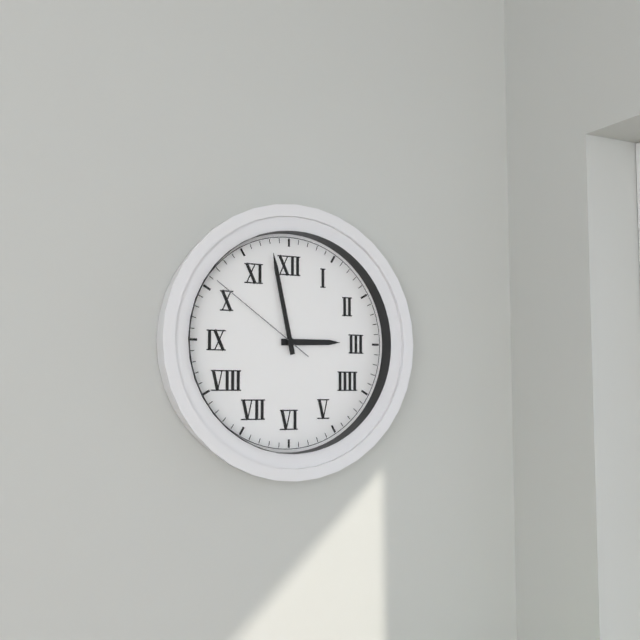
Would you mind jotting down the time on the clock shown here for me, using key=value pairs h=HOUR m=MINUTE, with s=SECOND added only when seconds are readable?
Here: h=2 m=58 s=51
